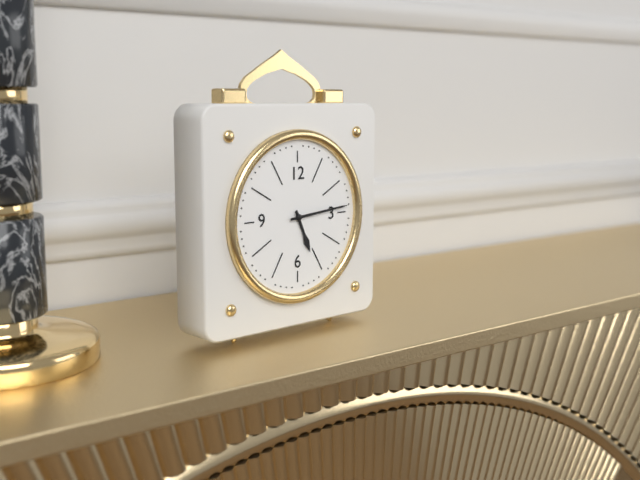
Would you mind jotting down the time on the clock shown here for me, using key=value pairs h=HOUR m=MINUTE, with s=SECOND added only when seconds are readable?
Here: h=5 m=14
